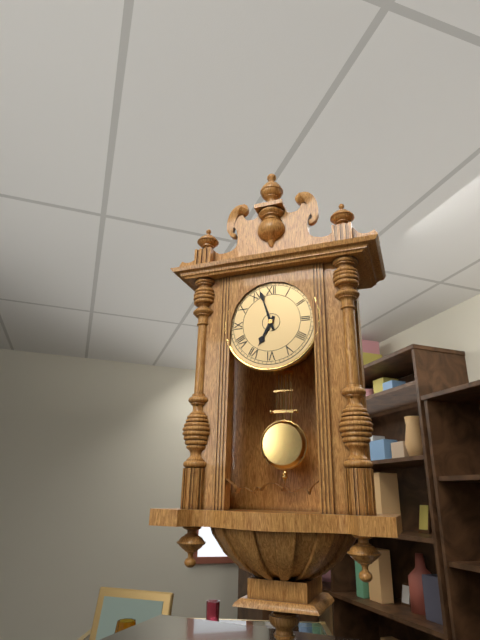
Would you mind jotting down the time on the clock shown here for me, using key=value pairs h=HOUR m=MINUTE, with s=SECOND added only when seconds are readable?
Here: h=6 m=57
